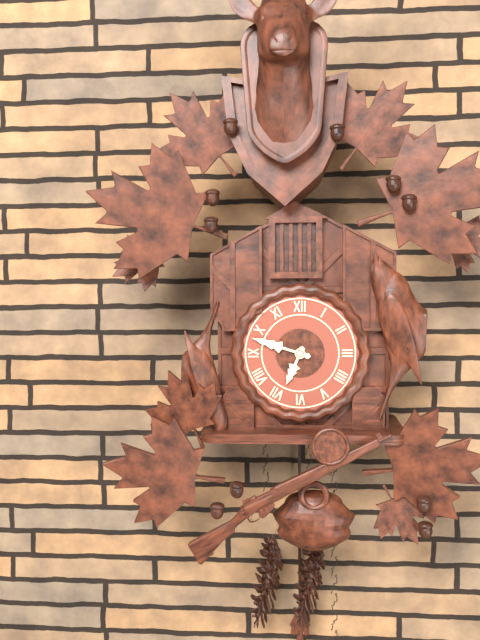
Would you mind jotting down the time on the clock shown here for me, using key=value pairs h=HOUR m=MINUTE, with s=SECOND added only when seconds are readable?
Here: h=6 m=48
